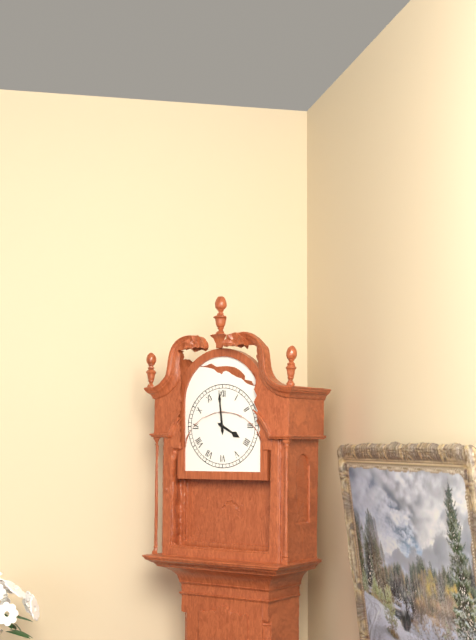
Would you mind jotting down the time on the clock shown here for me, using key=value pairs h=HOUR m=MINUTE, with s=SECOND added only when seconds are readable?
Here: h=3 m=59
